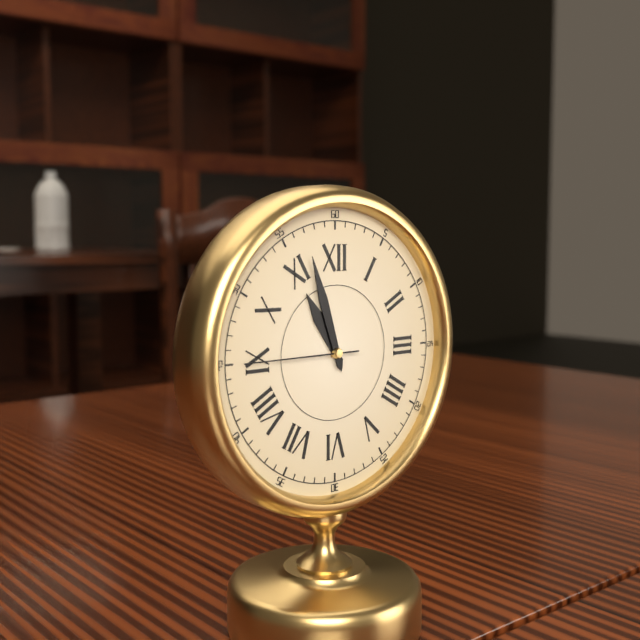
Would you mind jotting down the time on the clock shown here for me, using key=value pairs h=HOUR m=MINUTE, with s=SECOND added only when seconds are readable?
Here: h=10 m=57 s=45
